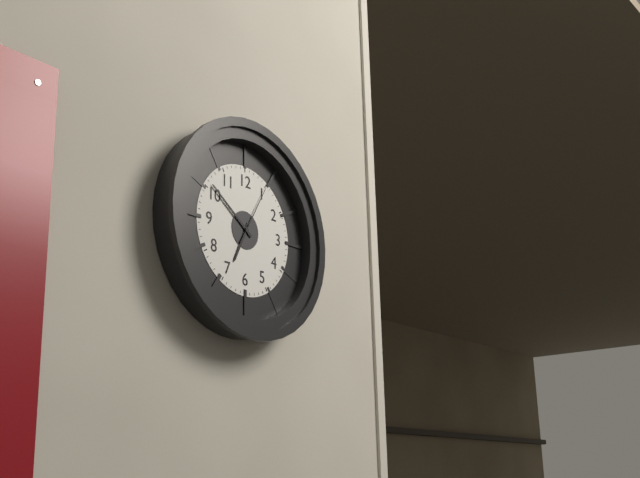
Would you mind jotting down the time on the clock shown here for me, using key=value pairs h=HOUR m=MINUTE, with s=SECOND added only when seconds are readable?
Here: h=6 m=51 s=5
